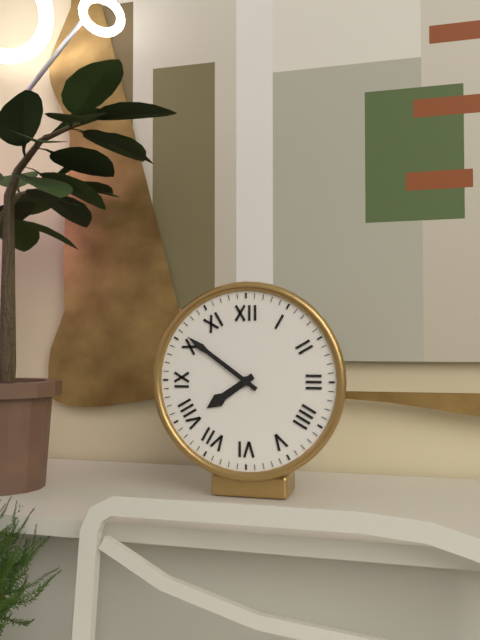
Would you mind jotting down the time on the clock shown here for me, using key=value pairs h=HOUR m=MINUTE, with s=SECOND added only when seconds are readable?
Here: h=7 m=51
